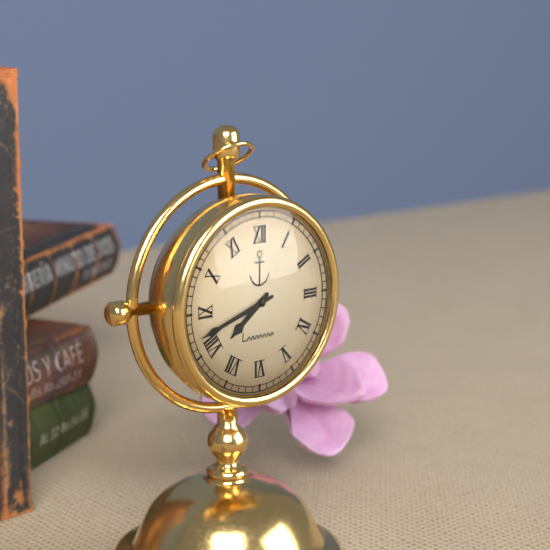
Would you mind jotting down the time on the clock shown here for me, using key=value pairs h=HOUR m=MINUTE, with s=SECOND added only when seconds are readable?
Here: h=7 m=42
